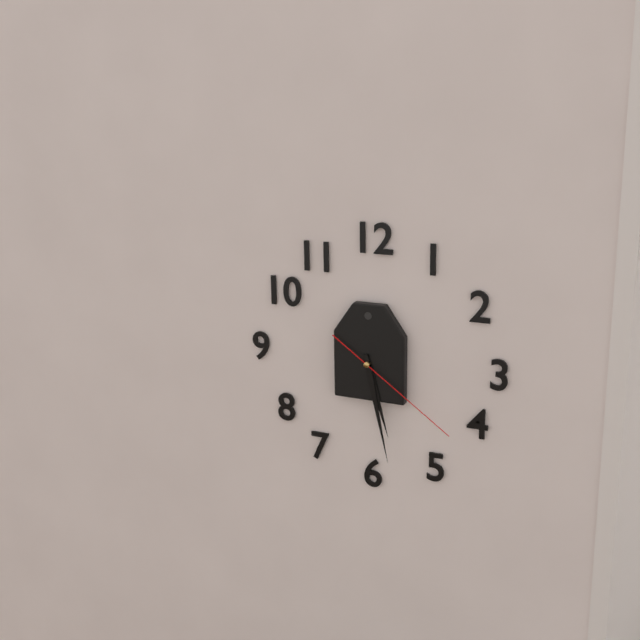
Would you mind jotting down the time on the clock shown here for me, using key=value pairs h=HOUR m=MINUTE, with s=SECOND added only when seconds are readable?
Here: h=5 m=28 s=21
